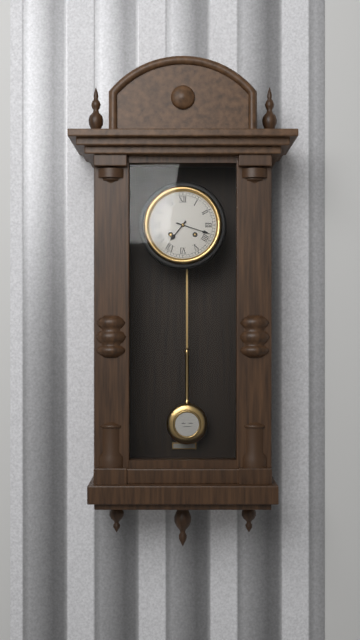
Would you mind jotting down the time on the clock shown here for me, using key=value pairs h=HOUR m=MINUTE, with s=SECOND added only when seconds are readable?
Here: h=7 m=18
